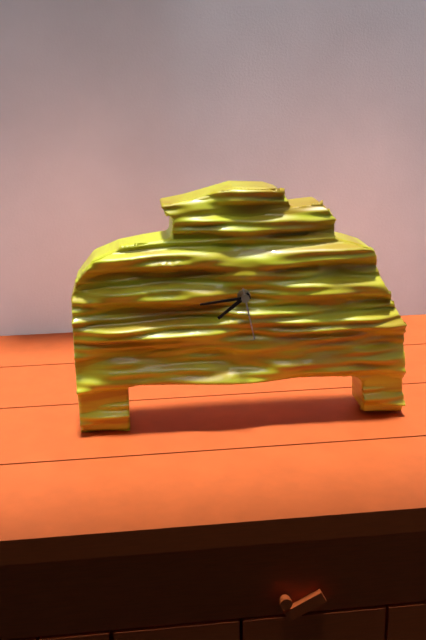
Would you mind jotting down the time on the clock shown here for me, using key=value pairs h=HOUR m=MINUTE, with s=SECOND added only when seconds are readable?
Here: h=7 m=44 s=28
